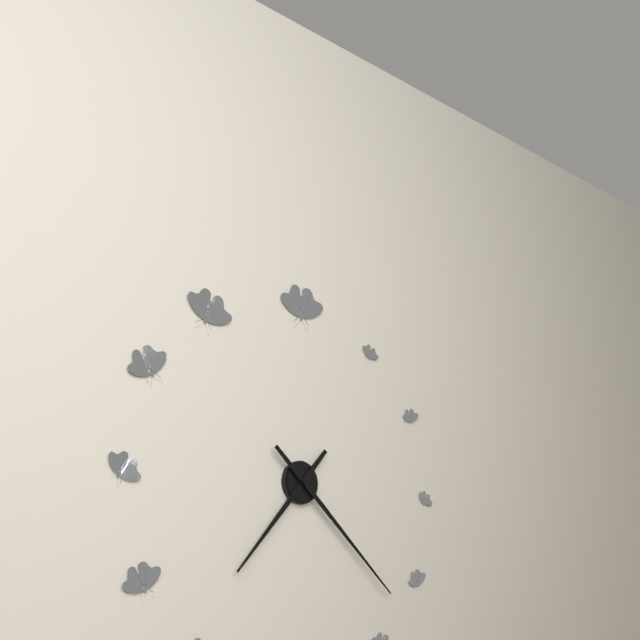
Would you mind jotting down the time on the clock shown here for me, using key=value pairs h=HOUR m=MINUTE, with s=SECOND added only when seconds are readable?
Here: h=7 m=22
